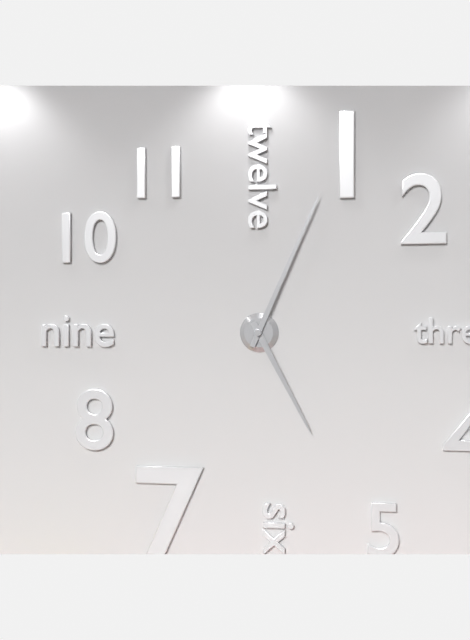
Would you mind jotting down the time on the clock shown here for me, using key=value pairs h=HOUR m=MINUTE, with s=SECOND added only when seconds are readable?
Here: h=5 m=4
